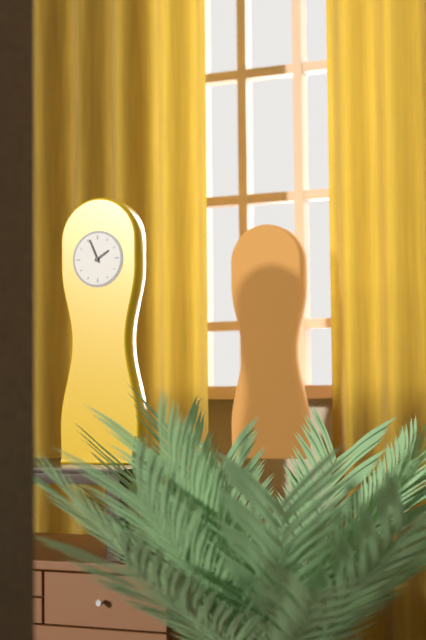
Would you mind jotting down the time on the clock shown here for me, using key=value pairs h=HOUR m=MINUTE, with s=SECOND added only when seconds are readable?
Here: h=1 m=56
